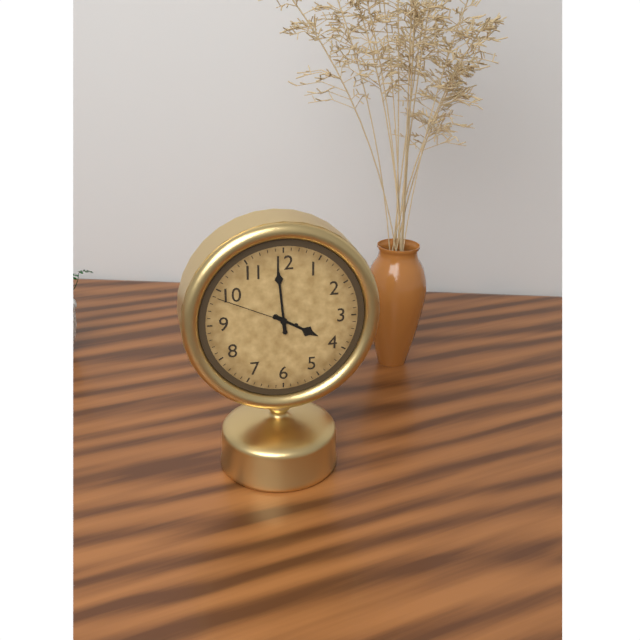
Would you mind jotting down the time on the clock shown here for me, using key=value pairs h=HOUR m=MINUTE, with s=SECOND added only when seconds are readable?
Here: h=3 m=59 s=49
